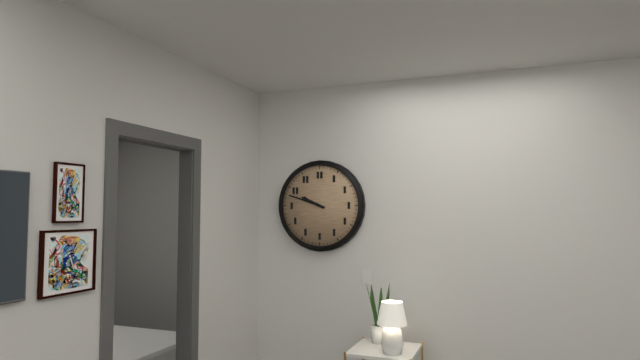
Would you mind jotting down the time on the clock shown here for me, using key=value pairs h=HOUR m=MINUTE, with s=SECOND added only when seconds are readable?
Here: h=9 m=48
